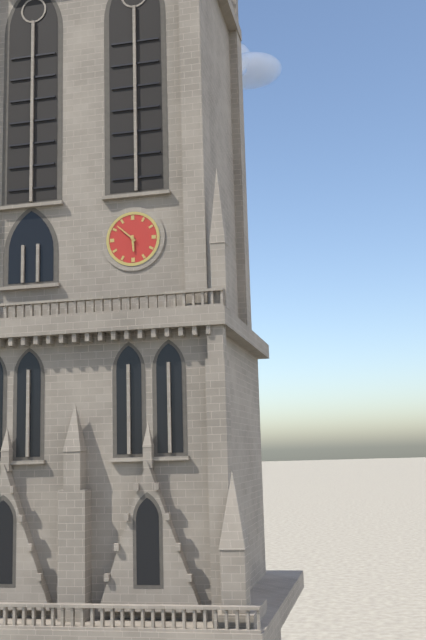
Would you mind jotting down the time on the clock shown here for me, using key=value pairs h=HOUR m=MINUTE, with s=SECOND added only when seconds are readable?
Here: h=5 m=52
